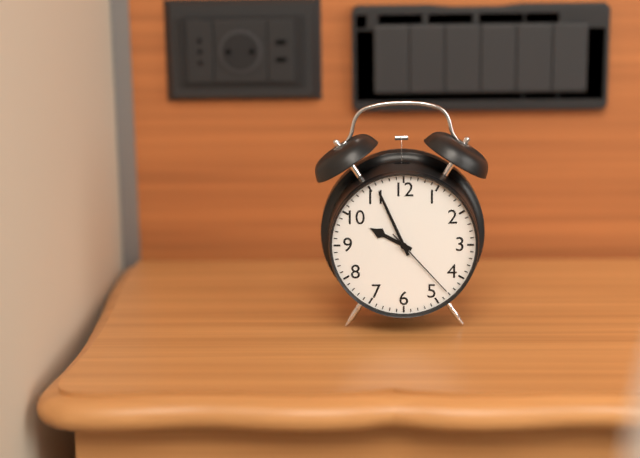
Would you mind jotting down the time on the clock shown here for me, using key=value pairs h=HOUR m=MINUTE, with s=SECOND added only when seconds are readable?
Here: h=9 m=56 s=23
